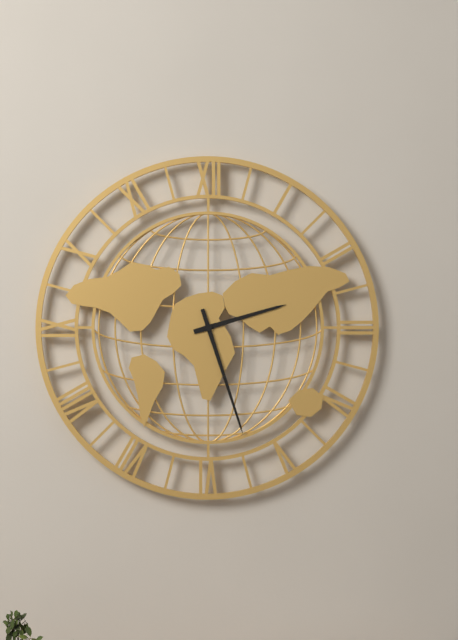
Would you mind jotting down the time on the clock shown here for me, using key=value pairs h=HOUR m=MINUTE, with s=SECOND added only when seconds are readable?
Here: h=2 m=27
